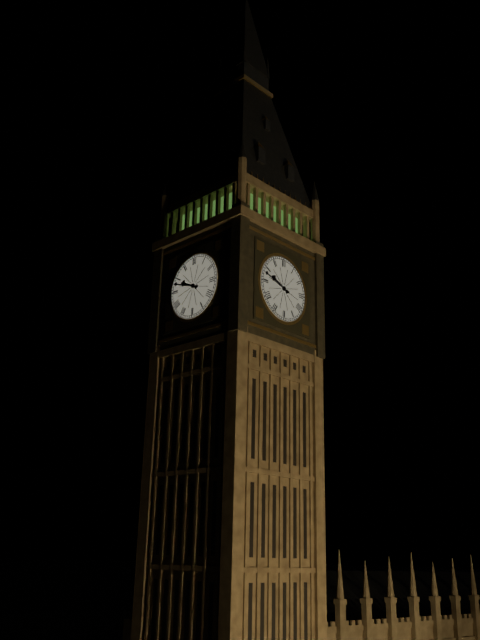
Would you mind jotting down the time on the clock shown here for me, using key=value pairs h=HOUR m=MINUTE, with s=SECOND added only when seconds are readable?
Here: h=9 m=48
